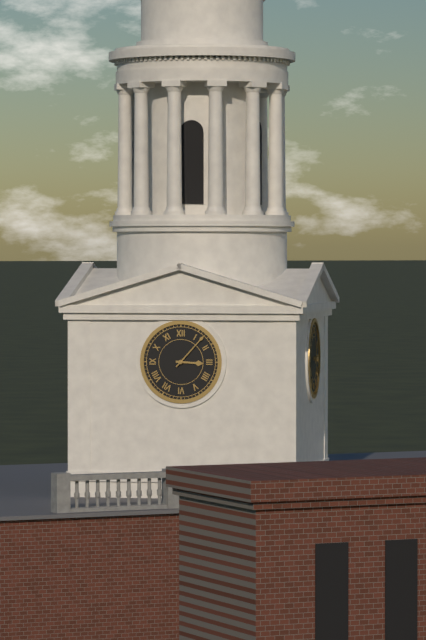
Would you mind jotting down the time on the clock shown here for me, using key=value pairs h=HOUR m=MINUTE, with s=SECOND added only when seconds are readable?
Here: h=3 m=7
